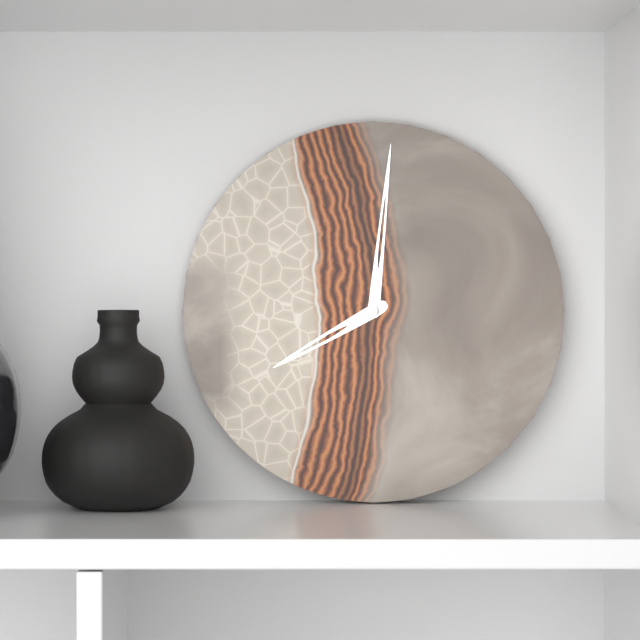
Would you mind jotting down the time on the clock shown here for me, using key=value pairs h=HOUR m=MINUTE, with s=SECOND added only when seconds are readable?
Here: h=8 m=1
